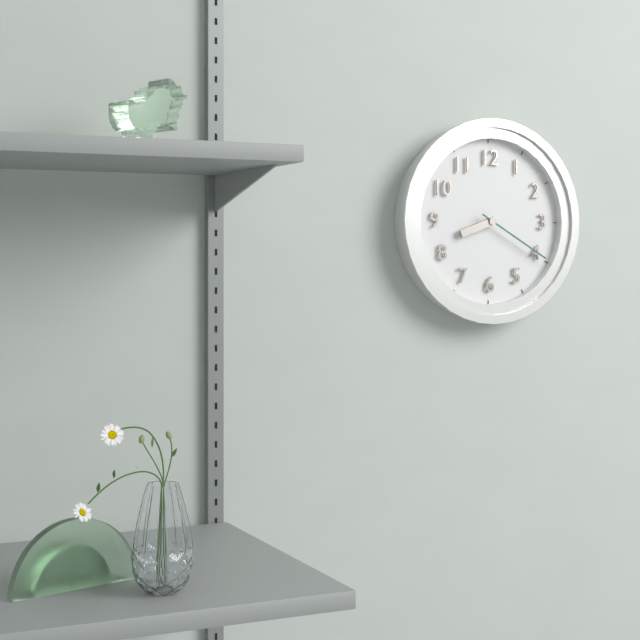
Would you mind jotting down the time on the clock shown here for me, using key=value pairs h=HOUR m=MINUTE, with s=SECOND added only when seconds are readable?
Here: h=8 m=20
